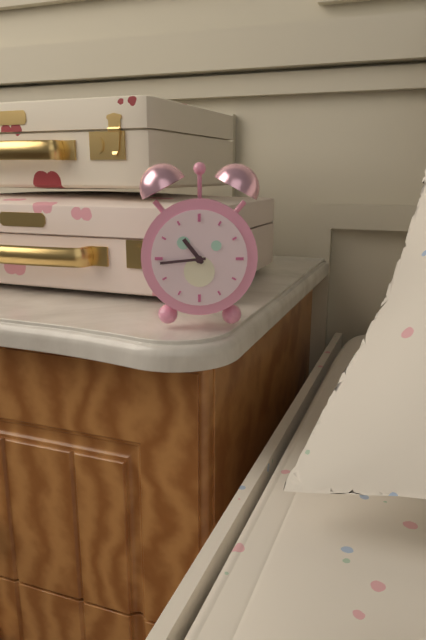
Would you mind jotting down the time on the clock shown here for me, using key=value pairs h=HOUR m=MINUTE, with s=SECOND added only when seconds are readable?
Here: h=10 m=44
